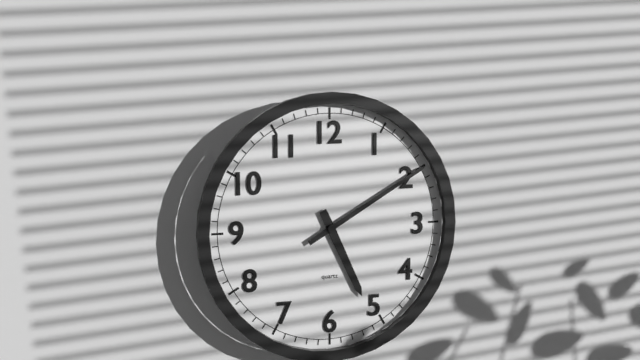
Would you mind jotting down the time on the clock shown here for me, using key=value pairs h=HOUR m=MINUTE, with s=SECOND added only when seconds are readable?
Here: h=5 m=10
